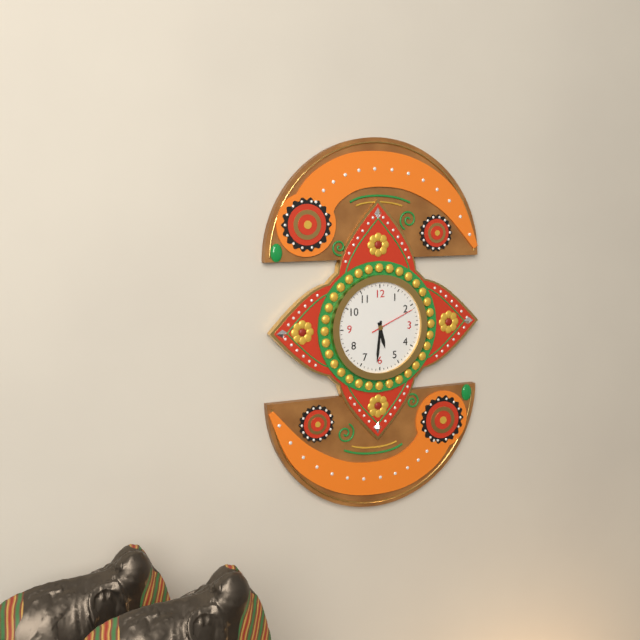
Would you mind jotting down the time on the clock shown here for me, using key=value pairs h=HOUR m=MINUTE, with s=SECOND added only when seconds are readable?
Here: h=5 m=31 s=11
